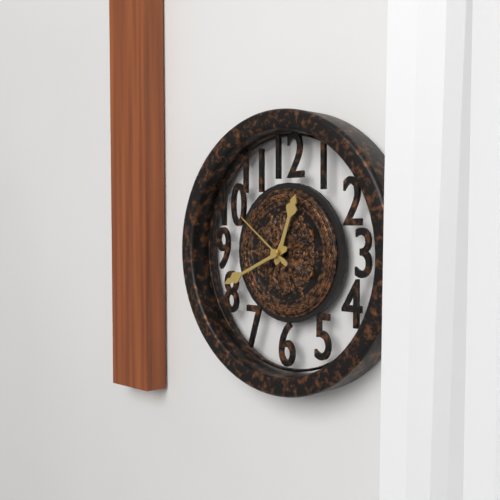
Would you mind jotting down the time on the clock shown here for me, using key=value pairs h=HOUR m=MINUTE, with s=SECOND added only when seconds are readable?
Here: h=12 m=41 s=51
